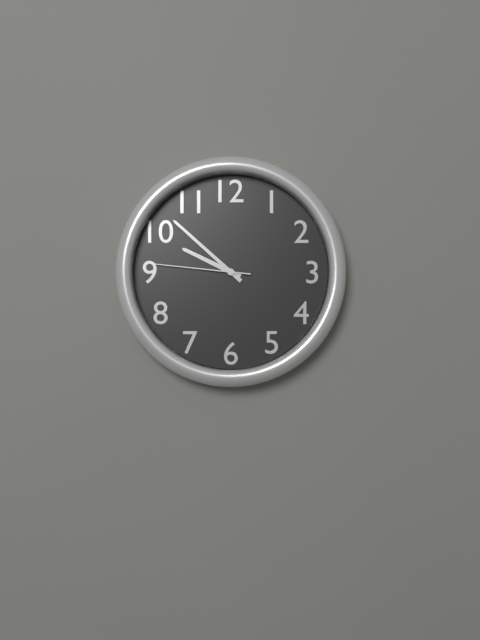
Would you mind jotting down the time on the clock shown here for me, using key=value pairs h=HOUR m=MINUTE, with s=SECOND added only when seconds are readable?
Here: h=9 m=52 s=46
